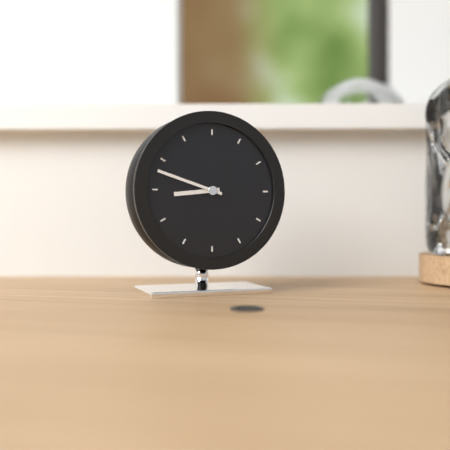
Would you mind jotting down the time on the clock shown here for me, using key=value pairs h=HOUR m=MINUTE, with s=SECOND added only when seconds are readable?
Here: h=8 m=48
